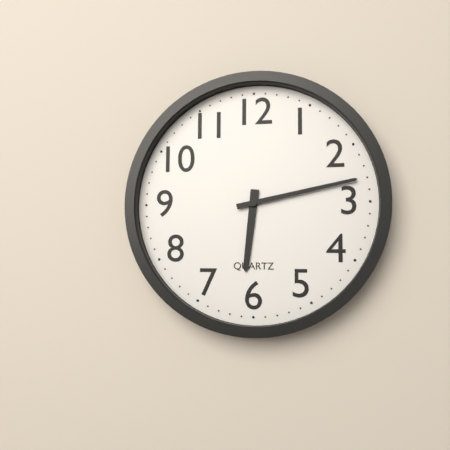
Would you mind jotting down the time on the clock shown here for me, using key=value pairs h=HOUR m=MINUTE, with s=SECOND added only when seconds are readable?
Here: h=6 m=13
